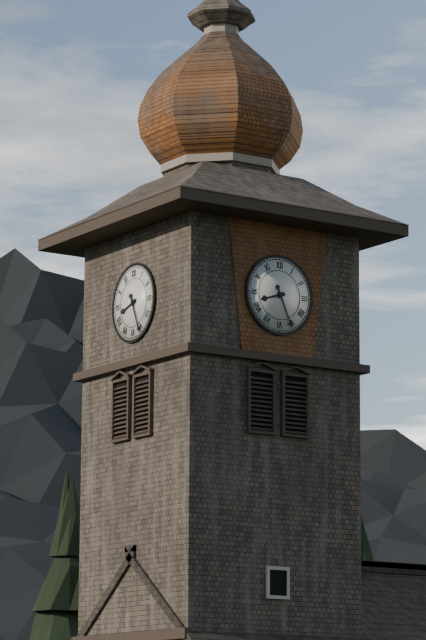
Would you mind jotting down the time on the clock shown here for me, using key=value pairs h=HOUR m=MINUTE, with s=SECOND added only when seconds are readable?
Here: h=8 m=26
